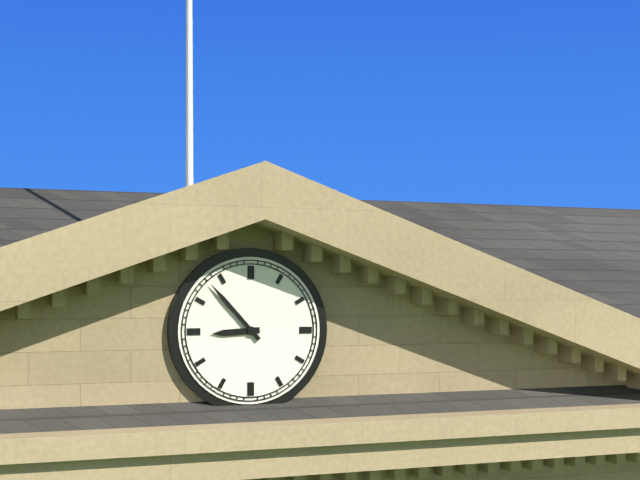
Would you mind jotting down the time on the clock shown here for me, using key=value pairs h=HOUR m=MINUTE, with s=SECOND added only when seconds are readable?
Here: h=8 m=53
